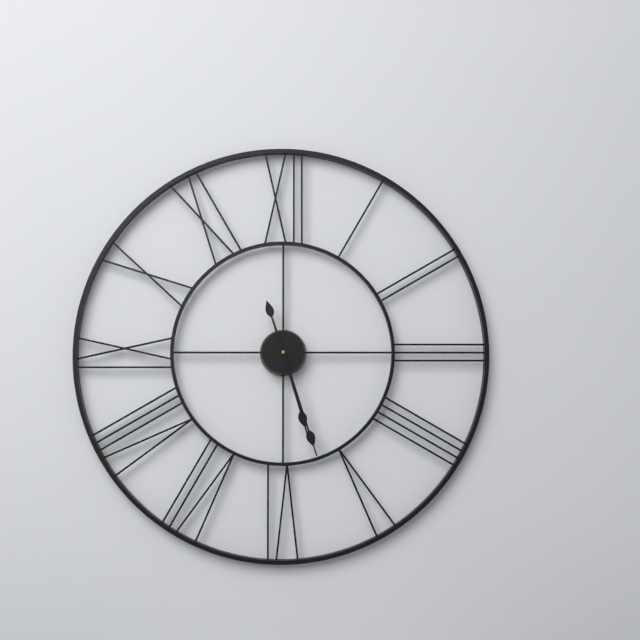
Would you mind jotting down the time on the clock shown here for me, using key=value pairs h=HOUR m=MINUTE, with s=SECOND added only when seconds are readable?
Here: h=5 m=27
